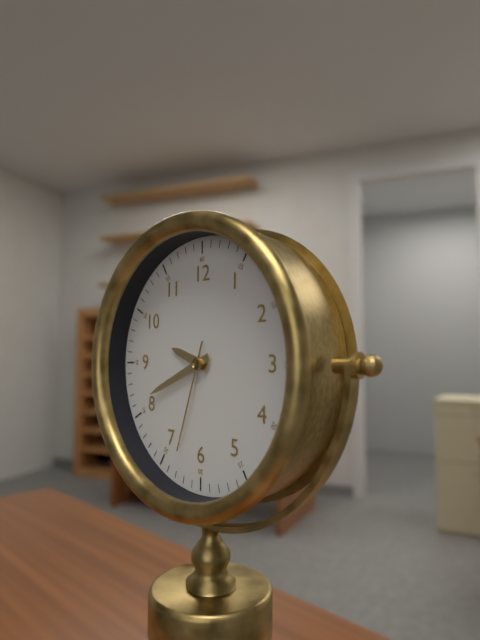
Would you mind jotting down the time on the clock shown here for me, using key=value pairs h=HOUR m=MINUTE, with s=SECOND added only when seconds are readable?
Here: h=9 m=41 s=33
